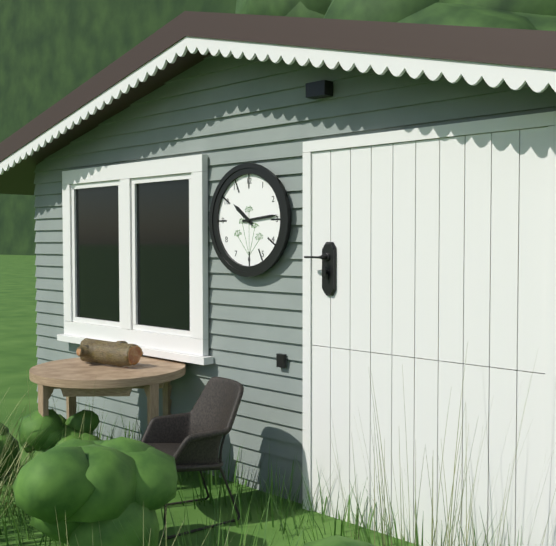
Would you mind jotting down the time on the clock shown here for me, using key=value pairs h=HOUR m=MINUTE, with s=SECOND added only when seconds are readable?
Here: h=10 m=14
